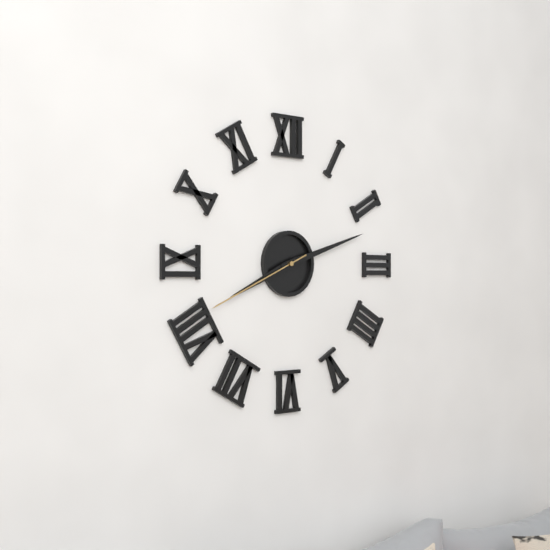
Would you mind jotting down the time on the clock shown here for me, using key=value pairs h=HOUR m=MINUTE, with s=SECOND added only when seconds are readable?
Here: h=8 m=12 s=41
